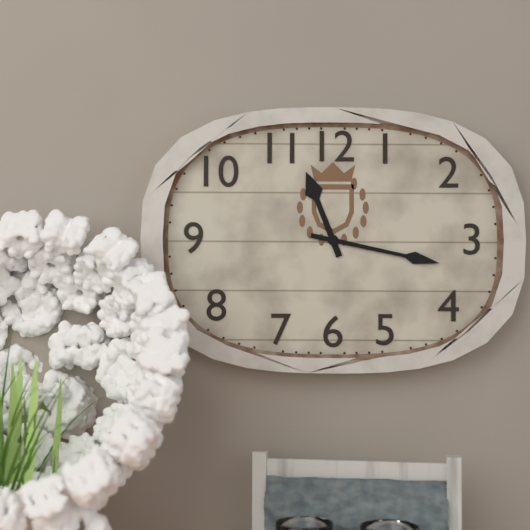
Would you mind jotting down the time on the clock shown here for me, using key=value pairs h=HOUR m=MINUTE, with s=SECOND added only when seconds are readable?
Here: h=11 m=17
